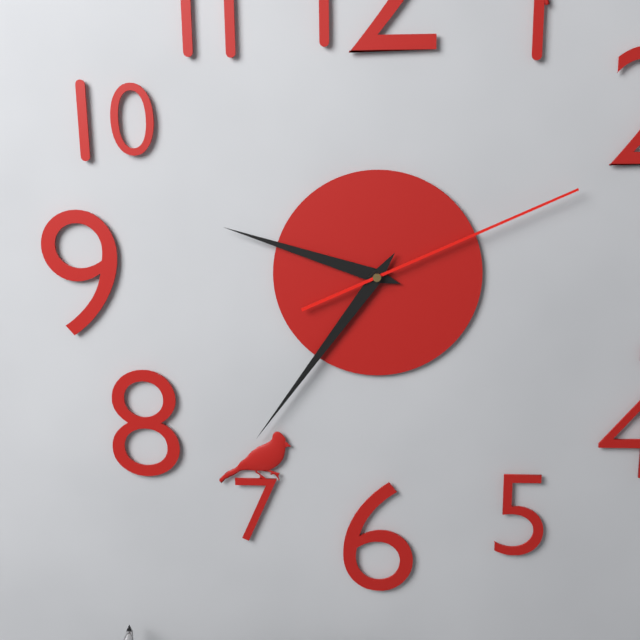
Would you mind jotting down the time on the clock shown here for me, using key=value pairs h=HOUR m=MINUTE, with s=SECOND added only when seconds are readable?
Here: h=9 m=36 s=11
